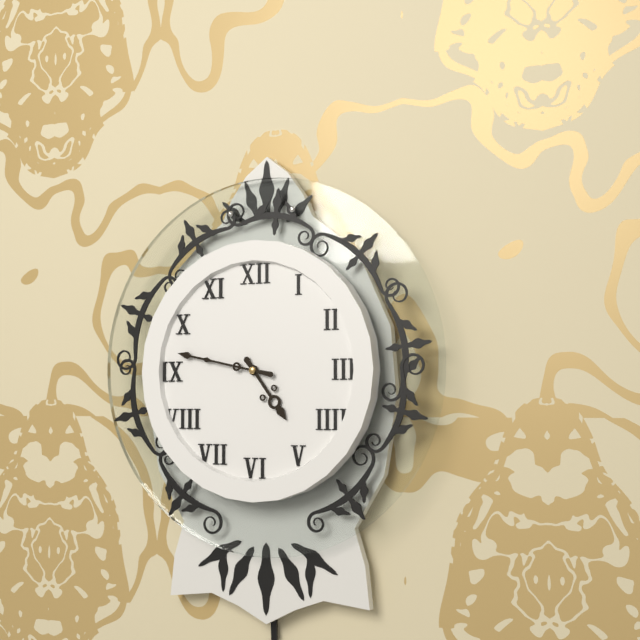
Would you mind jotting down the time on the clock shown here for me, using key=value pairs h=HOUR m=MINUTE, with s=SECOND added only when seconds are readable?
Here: h=4 m=47
